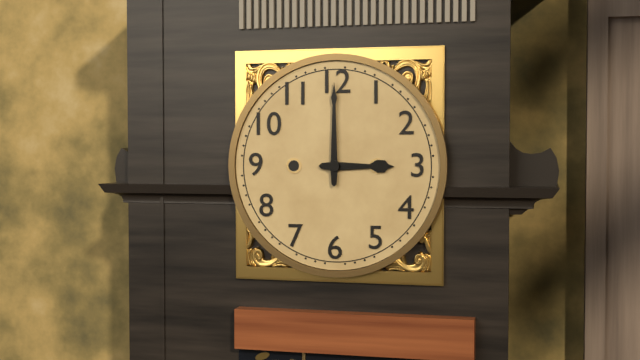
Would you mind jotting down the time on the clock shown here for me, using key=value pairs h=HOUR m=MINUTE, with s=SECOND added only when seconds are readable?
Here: h=3 m=0
